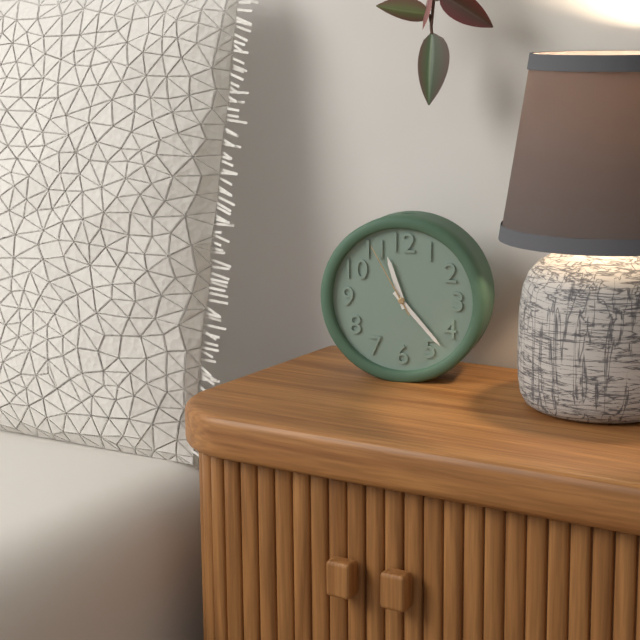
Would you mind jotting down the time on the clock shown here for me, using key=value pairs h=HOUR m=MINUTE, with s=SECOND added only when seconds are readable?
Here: h=11 m=23 s=55
